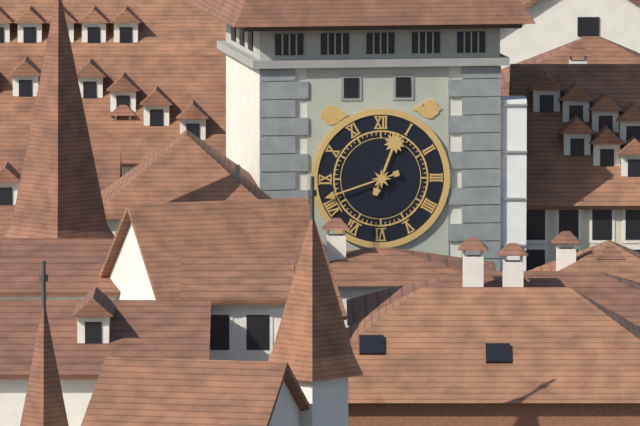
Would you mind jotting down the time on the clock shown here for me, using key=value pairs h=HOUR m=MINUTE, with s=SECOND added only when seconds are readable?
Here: h=12 m=42
